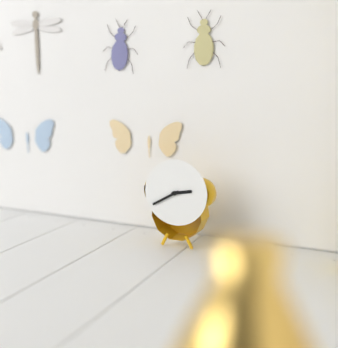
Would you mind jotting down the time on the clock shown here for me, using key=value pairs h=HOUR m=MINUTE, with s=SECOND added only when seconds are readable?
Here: h=2 m=40
